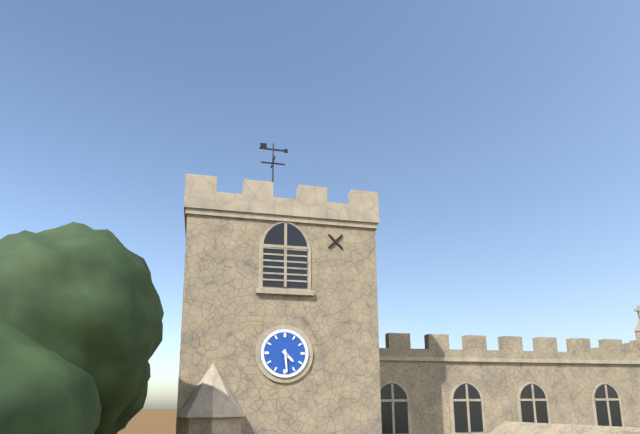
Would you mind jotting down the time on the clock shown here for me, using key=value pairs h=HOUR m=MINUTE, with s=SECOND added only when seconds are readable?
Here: h=4 m=29
